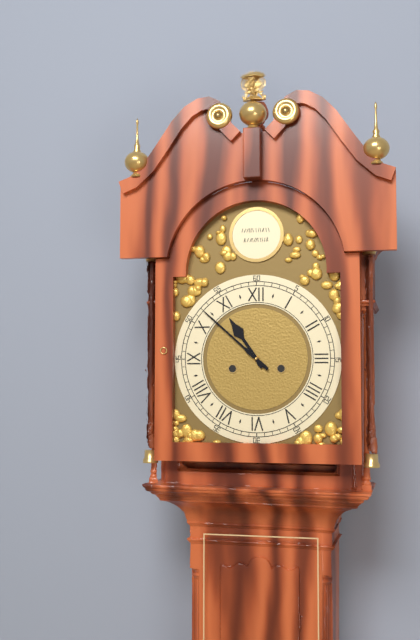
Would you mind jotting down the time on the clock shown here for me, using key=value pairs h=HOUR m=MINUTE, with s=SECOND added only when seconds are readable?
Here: h=10 m=52
